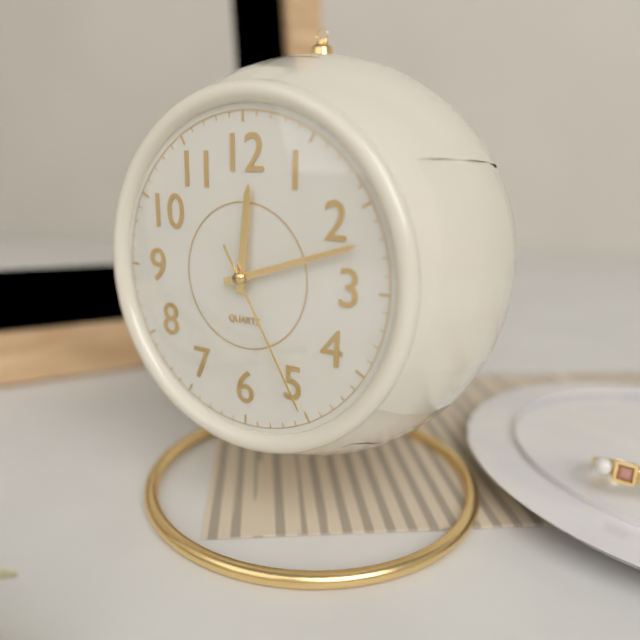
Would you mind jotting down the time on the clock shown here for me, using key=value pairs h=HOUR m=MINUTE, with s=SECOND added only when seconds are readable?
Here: h=12 m=12 s=25
